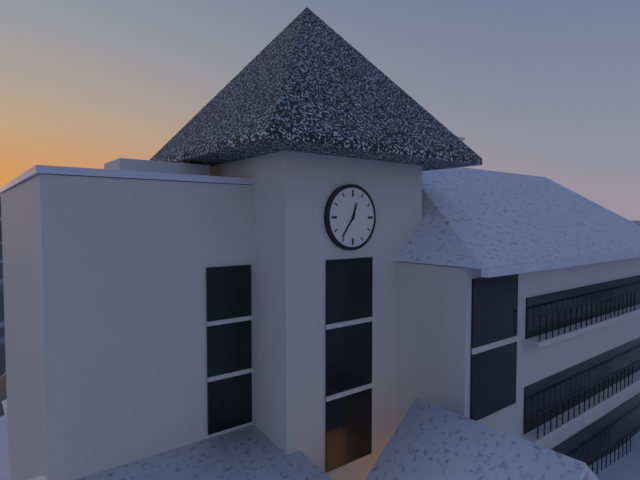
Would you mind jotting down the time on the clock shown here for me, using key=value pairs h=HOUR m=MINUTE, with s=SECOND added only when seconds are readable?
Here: h=12 m=36
